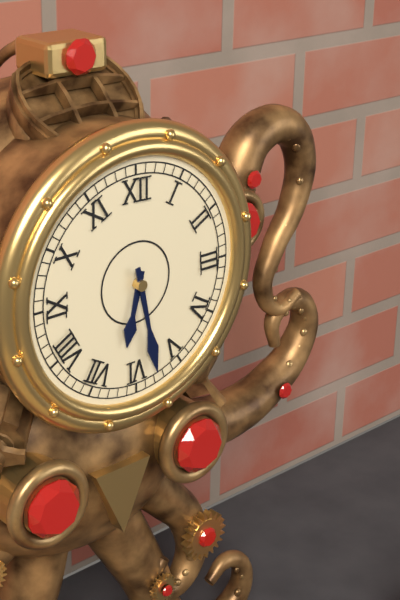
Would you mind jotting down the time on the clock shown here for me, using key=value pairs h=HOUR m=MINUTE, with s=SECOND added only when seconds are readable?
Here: h=6 m=28
